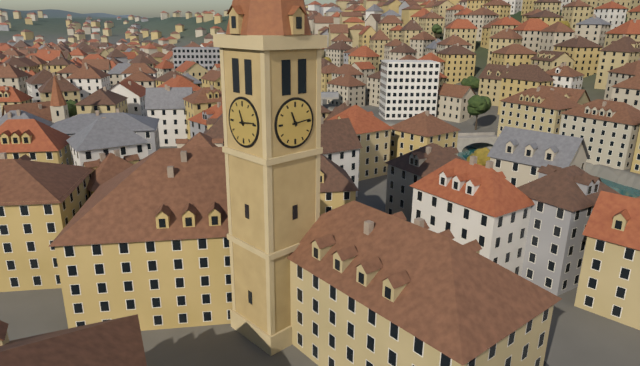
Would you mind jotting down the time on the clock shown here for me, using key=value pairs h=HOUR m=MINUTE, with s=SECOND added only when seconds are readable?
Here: h=11 m=14
